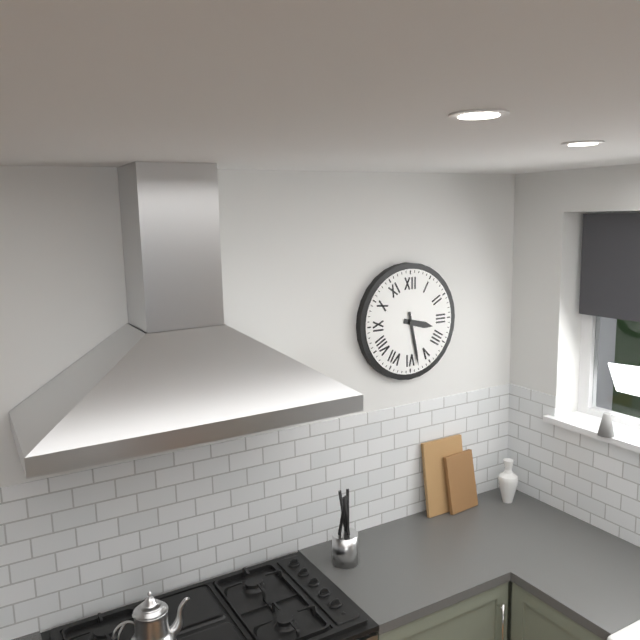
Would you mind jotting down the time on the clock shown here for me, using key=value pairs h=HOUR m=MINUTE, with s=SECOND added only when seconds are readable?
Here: h=3 m=28
